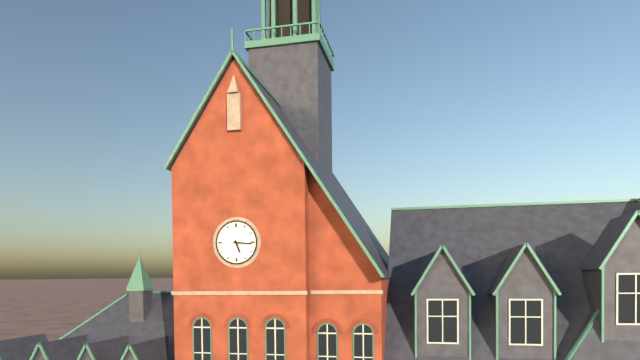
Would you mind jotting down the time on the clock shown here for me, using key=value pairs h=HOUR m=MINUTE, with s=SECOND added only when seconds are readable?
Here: h=5 m=16
